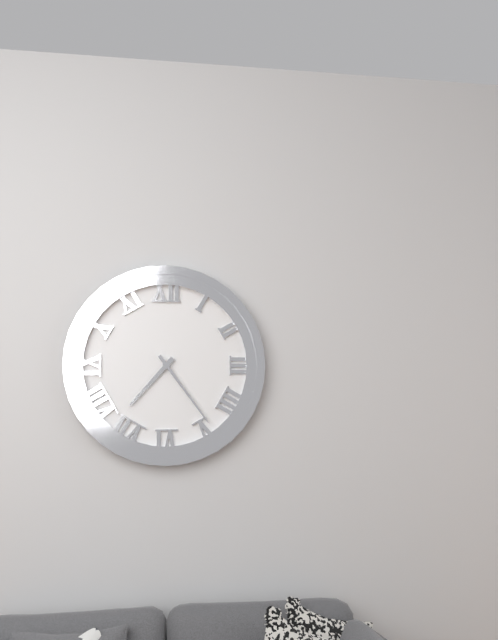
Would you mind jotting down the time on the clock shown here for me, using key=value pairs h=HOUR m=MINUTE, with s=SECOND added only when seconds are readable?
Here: h=7 m=24
